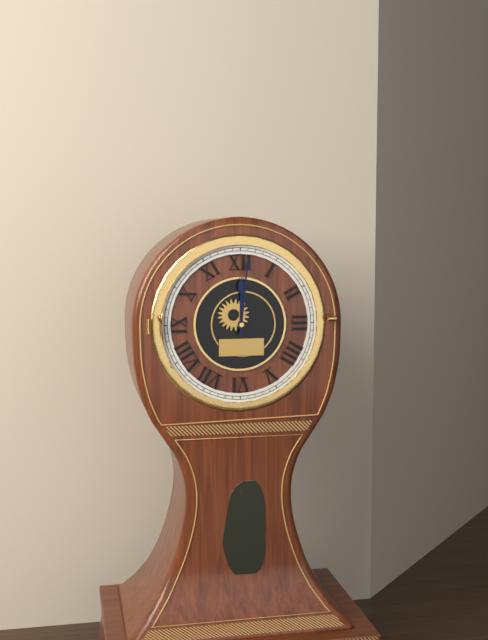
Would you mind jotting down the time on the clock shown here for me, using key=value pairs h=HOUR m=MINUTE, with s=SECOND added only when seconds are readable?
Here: h=12 m=1
